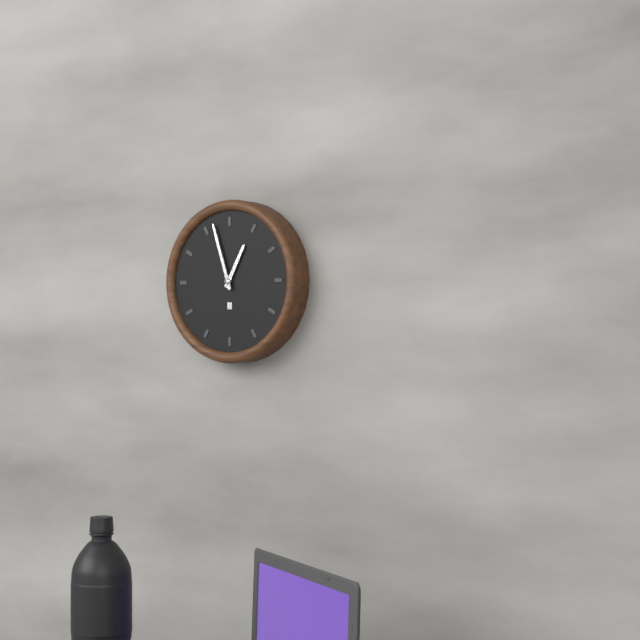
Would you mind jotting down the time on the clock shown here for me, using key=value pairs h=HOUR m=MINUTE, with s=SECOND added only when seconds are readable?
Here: h=12 m=57
